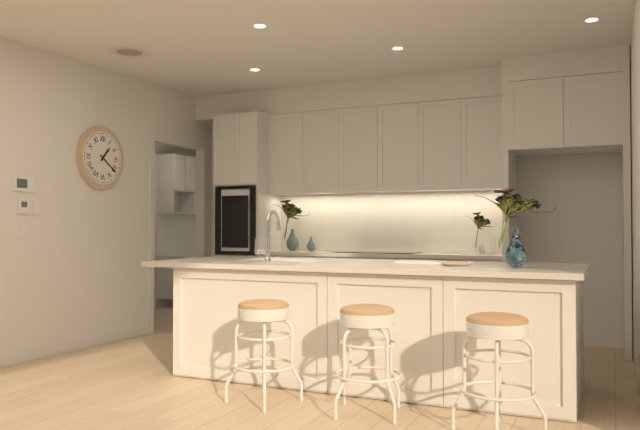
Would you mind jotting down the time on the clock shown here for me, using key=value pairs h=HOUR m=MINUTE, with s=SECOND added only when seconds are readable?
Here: h=1 m=21
